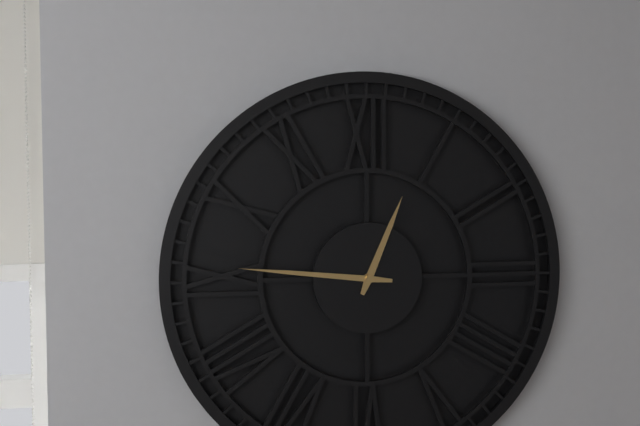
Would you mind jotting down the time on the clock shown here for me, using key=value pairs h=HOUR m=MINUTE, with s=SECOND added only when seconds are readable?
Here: h=12 m=46
